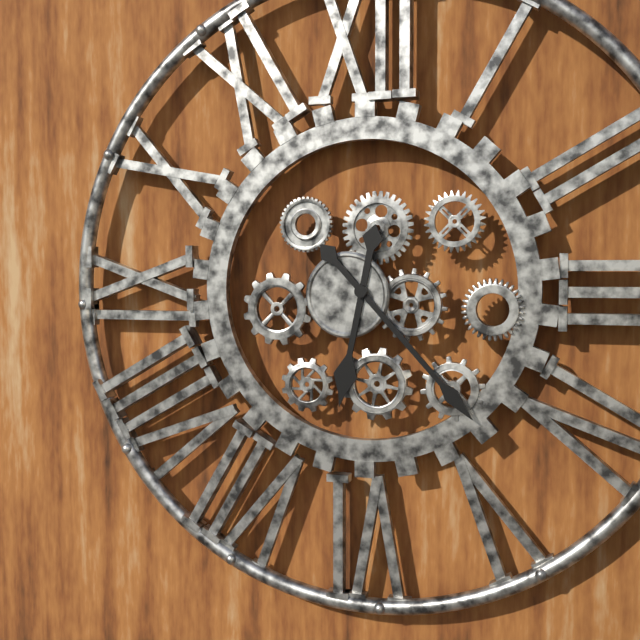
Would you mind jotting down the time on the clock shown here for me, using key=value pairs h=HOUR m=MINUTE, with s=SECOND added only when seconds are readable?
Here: h=6 m=23
